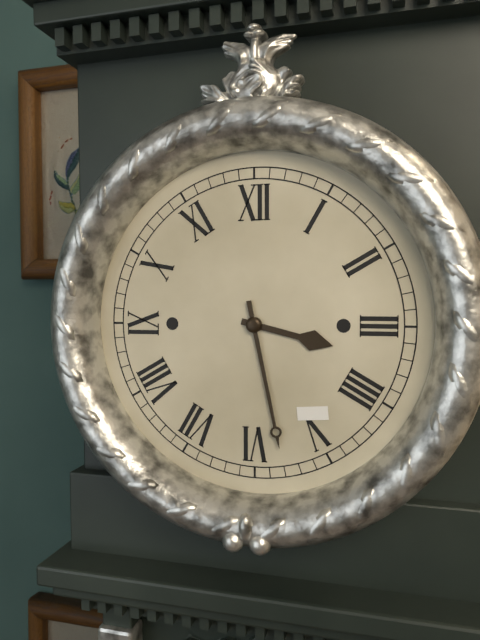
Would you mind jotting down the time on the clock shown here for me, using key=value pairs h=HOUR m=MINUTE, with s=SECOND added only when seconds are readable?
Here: h=3 m=28
